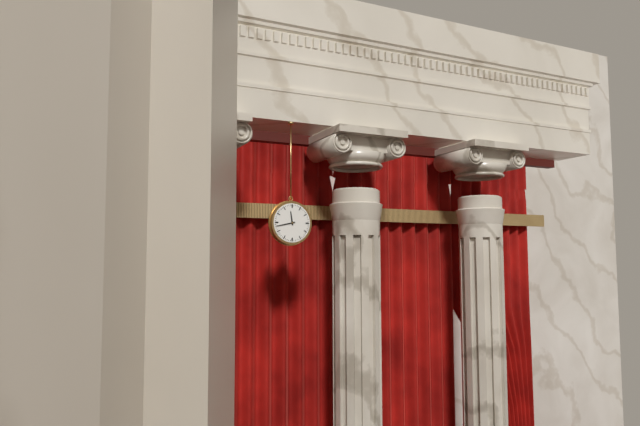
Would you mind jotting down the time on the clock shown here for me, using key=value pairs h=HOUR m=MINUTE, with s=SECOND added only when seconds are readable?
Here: h=11 m=43
